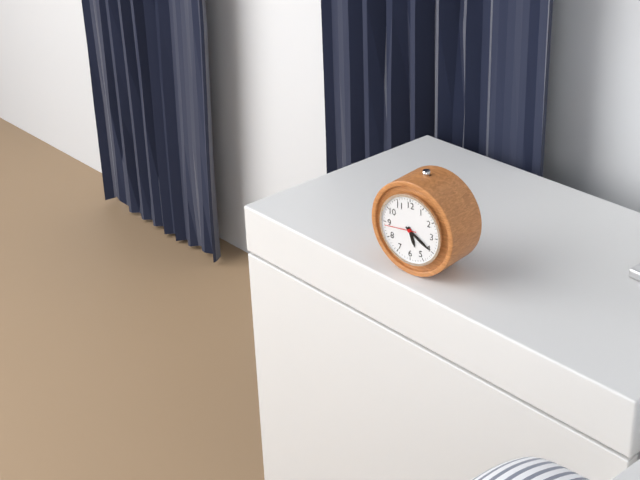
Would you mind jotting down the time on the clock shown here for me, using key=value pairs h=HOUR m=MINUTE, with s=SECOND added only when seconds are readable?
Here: h=5 m=20
